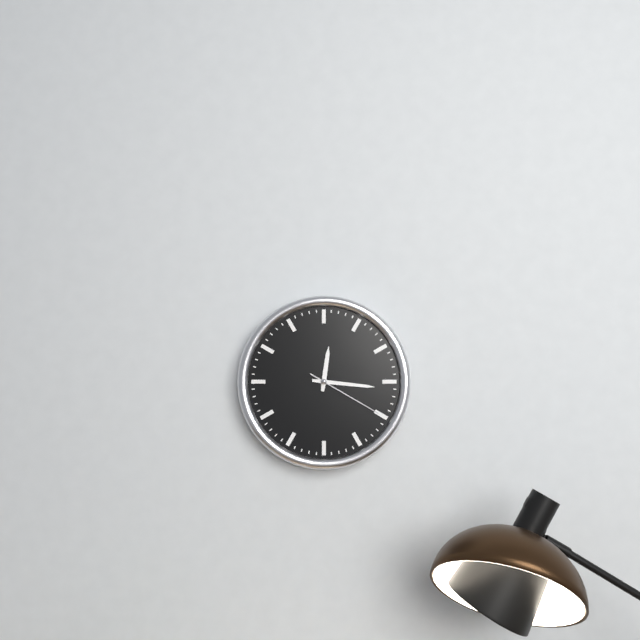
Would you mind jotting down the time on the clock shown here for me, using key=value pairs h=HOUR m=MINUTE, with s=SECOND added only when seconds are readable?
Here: h=12 m=16 s=20
